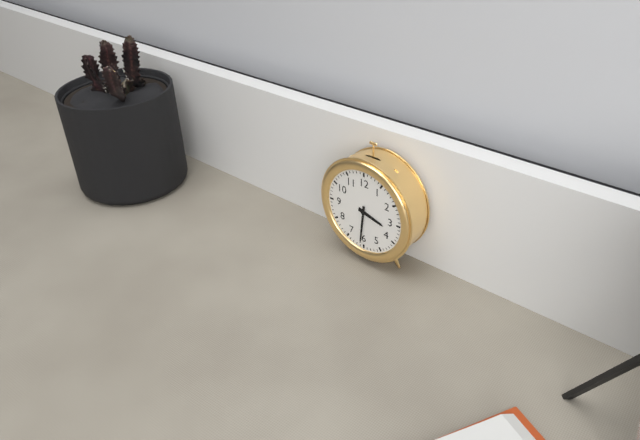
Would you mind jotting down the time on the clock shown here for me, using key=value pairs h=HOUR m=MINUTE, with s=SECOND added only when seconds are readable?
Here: h=3 m=31
